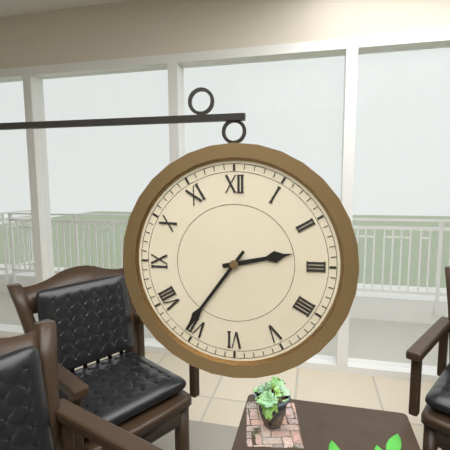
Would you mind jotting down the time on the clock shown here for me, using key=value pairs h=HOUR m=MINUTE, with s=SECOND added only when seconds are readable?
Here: h=2 m=36
